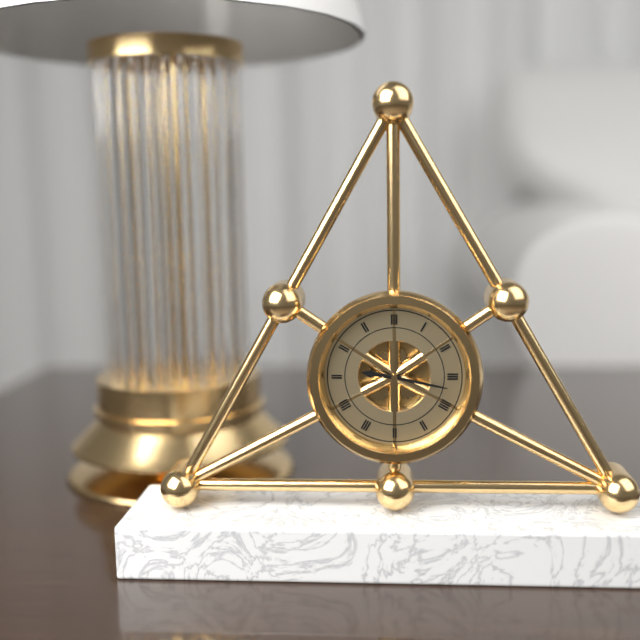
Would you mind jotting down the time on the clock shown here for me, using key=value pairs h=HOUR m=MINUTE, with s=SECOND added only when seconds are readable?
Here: h=9 m=17
